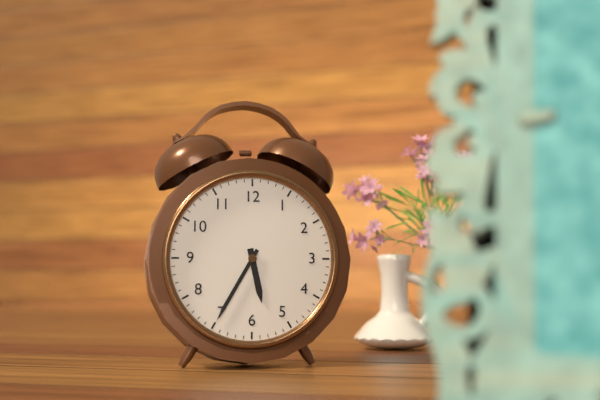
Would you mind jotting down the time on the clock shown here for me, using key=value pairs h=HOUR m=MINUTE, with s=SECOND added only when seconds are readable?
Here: h=5 m=35
